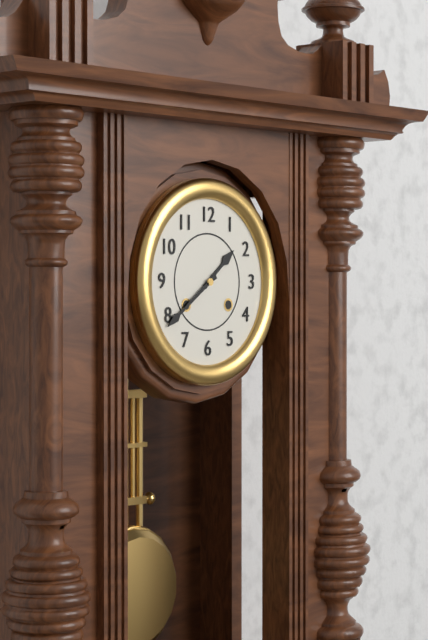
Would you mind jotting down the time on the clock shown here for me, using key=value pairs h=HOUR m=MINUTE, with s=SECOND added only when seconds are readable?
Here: h=1 m=39
